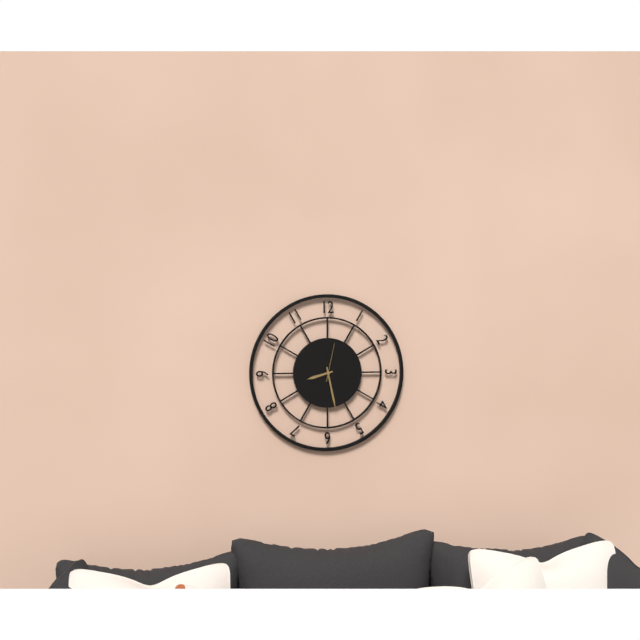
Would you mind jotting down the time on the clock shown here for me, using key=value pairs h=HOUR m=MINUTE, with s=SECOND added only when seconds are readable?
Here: h=8 m=28
